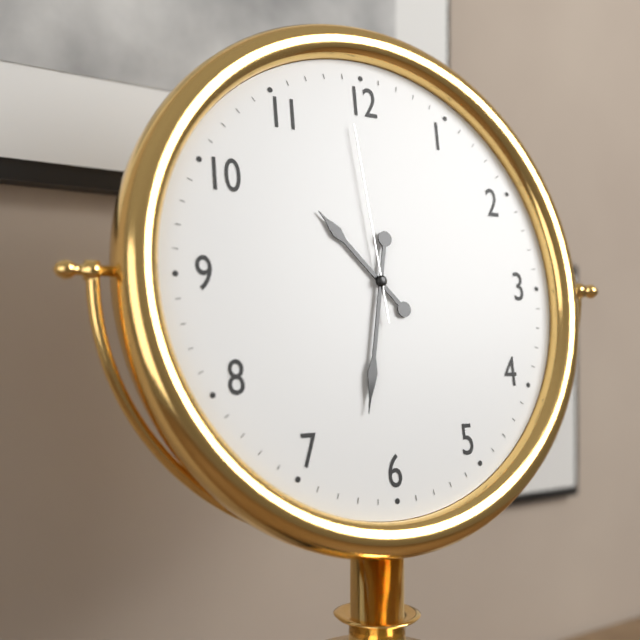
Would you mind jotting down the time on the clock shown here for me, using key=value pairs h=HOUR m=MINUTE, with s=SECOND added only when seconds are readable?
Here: h=10 m=32 s=59
